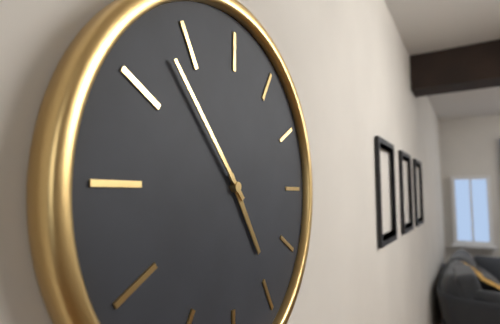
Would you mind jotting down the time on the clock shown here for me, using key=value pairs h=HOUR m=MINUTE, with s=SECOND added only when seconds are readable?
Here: h=4 m=53
